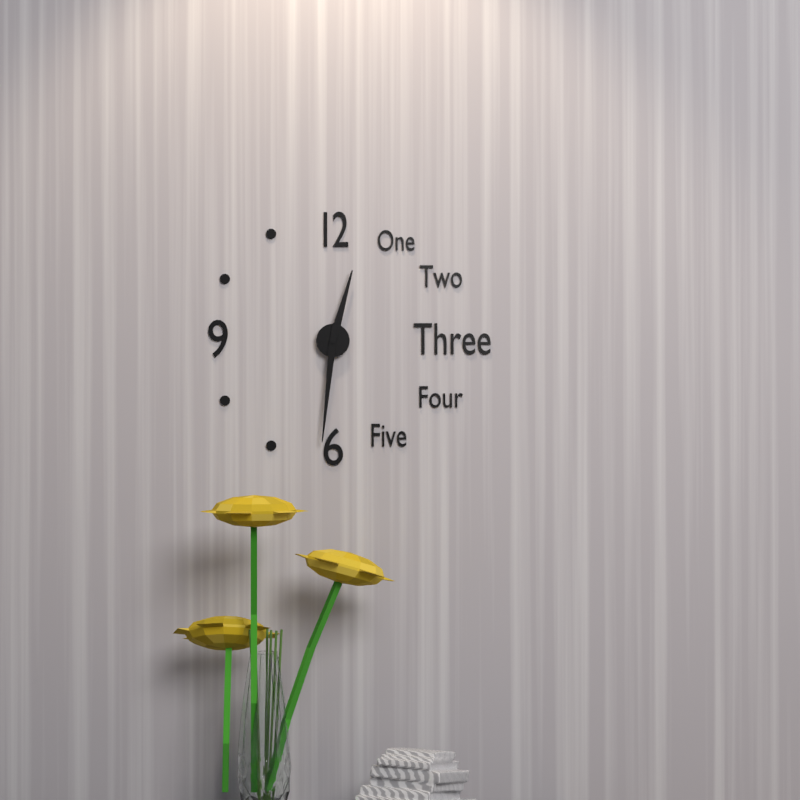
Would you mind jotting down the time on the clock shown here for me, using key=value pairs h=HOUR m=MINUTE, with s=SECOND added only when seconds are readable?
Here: h=12 m=31
